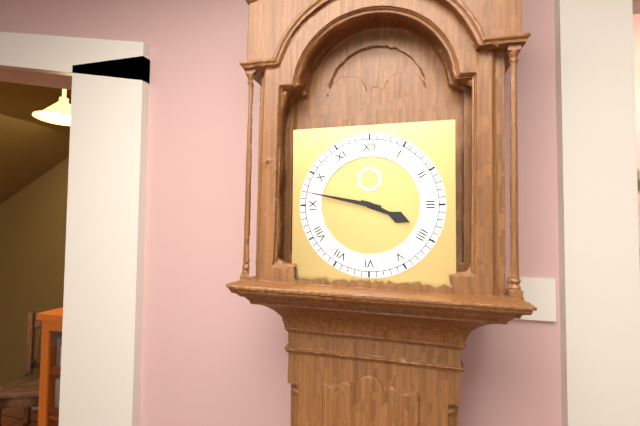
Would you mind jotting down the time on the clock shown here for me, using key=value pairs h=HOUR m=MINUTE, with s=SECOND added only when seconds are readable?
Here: h=3 m=47
